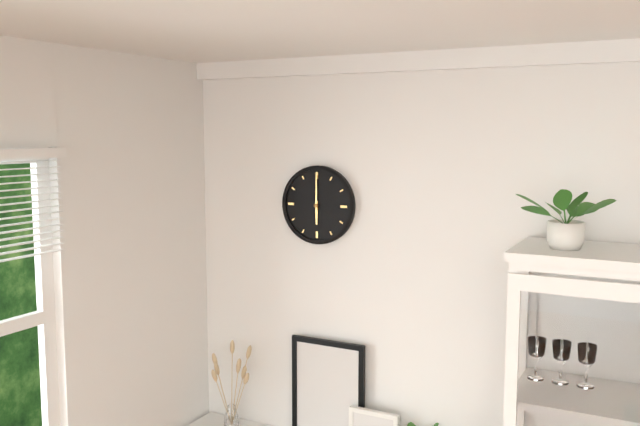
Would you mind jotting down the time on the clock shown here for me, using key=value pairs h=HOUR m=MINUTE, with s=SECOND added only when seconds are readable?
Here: h=6 m=0
